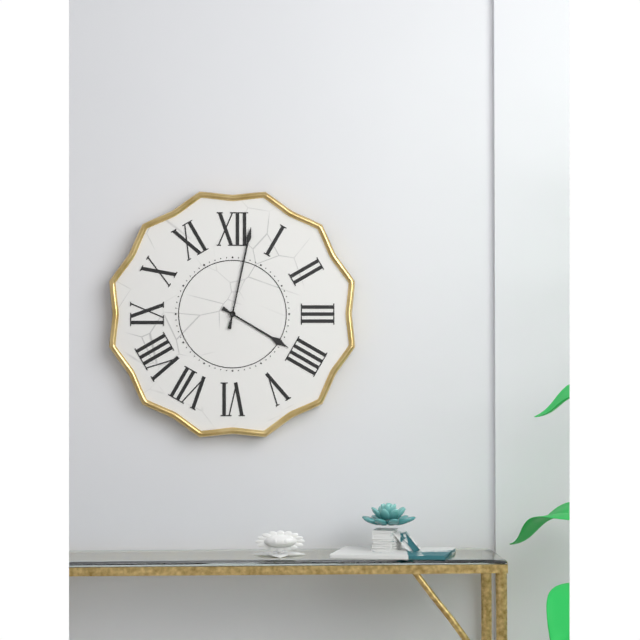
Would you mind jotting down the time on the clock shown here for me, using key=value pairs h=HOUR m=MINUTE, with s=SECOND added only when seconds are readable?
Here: h=4 m=2
